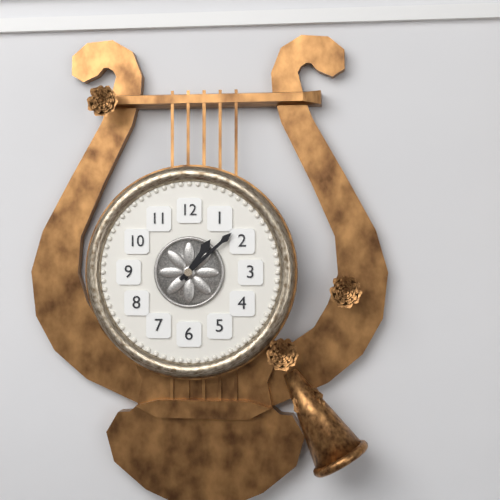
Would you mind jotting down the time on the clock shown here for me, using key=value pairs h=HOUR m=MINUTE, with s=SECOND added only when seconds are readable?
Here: h=1 m=8
